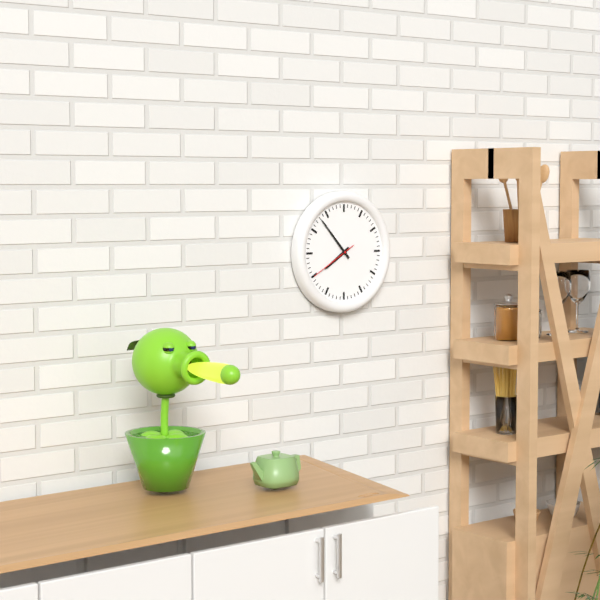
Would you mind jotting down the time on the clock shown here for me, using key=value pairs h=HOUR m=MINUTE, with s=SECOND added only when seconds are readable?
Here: h=7 m=53 s=40
